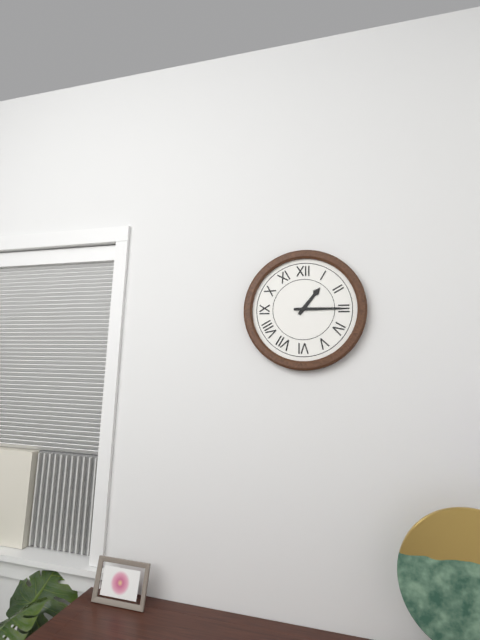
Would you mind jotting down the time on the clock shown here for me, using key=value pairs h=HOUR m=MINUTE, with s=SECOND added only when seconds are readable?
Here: h=1 m=15
